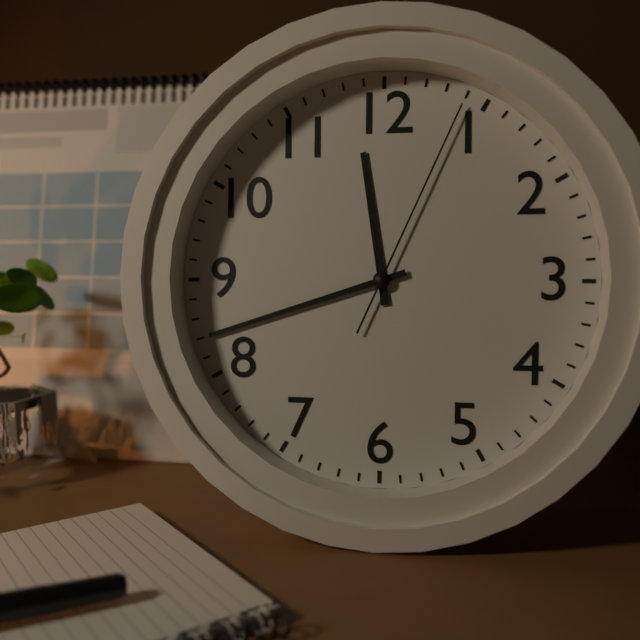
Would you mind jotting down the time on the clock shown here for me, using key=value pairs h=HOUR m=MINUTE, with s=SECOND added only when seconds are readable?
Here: h=11 m=42 s=4
